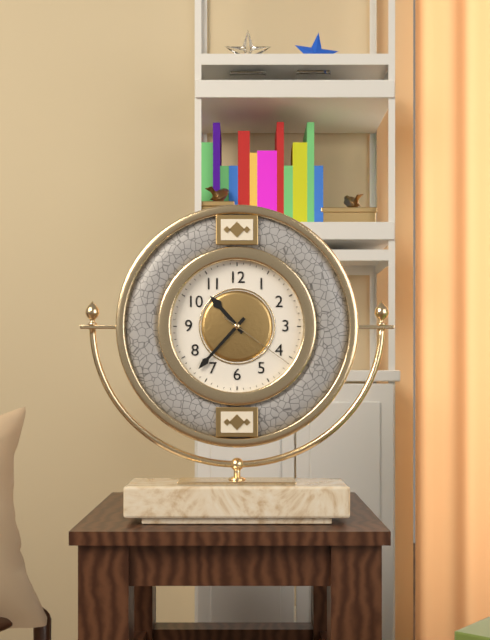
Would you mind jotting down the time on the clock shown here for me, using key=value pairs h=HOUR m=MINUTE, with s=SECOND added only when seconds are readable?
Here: h=10 m=37 s=21
